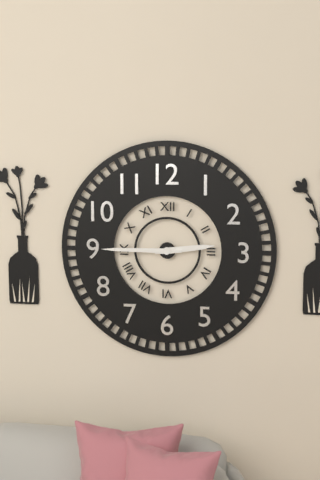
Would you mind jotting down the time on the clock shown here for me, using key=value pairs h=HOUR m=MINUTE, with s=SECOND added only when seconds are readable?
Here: h=2 m=45
